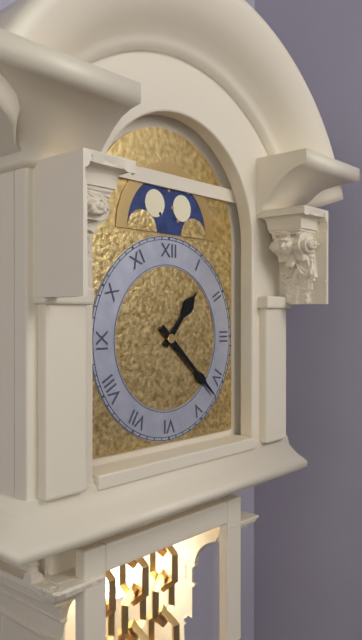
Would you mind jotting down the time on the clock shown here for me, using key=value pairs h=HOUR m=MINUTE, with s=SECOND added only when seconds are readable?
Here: h=1 m=22
